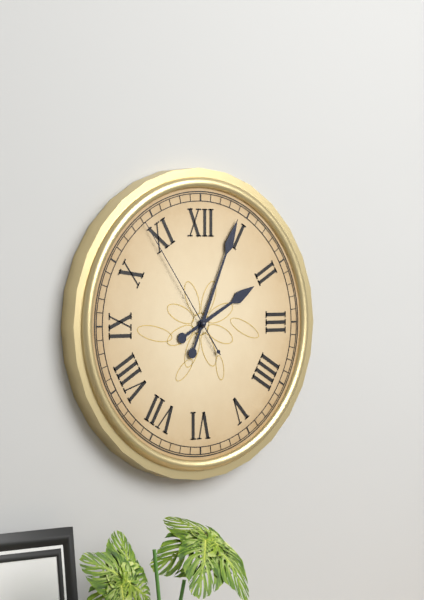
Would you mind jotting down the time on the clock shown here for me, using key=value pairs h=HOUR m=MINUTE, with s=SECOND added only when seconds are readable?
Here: h=2 m=4 s=54
